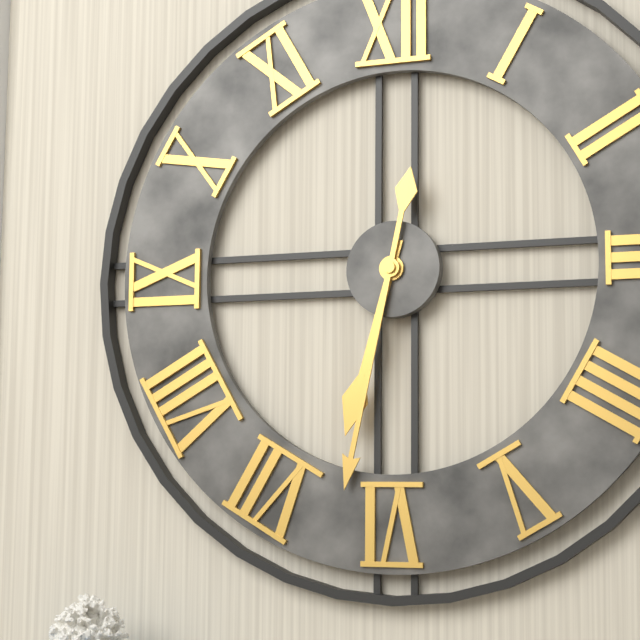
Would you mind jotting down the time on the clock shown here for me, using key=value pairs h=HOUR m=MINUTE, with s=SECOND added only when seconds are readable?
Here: h=6 m=32
